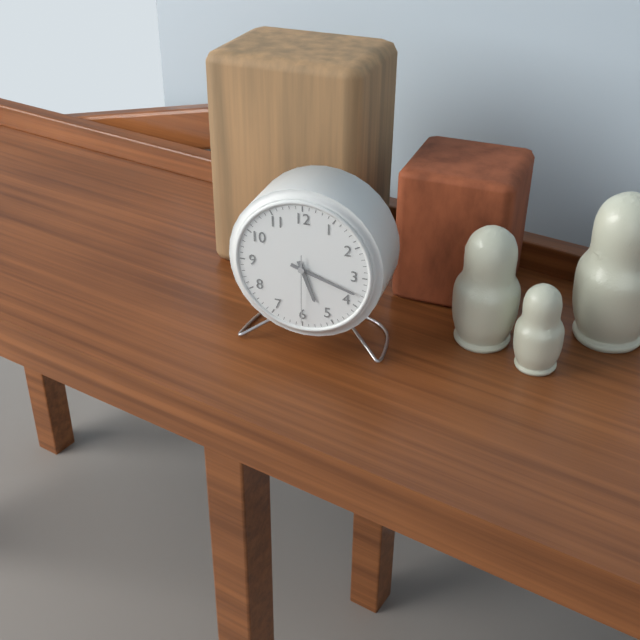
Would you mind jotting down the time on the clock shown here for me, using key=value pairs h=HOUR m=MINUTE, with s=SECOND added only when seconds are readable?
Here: h=5 m=18 s=30
